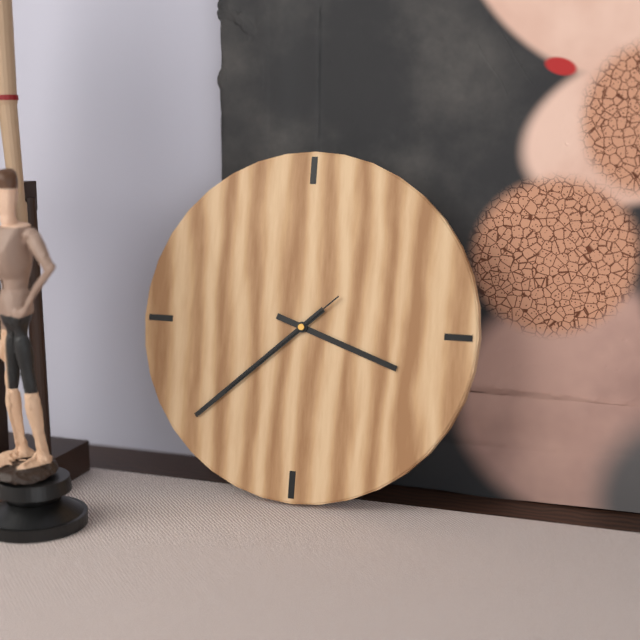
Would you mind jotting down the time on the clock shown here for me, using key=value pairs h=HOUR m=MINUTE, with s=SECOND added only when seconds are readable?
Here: h=3 m=38 s=38
